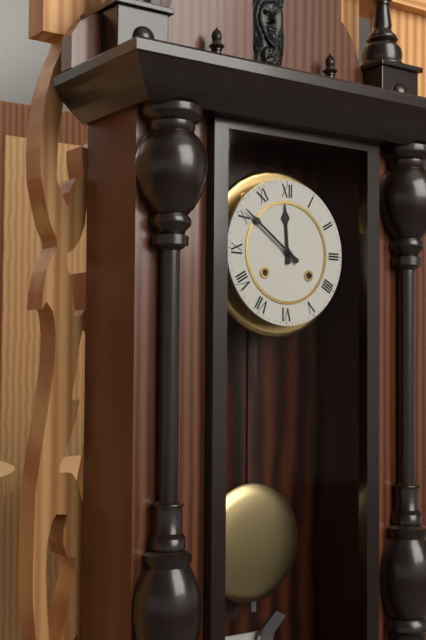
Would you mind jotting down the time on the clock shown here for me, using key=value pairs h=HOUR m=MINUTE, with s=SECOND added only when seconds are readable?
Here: h=11 m=51
